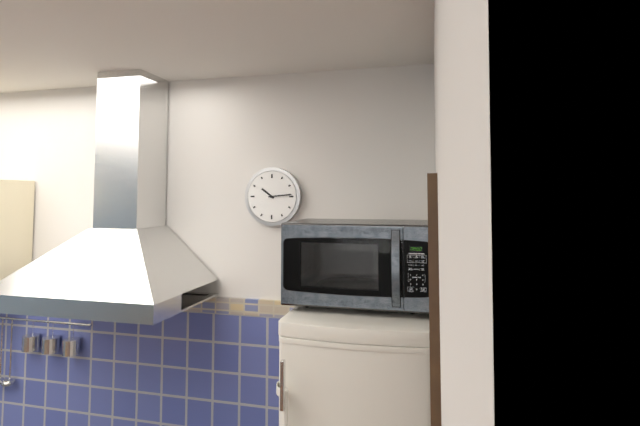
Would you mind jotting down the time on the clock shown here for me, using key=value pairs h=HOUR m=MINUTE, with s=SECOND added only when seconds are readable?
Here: h=10 m=14
